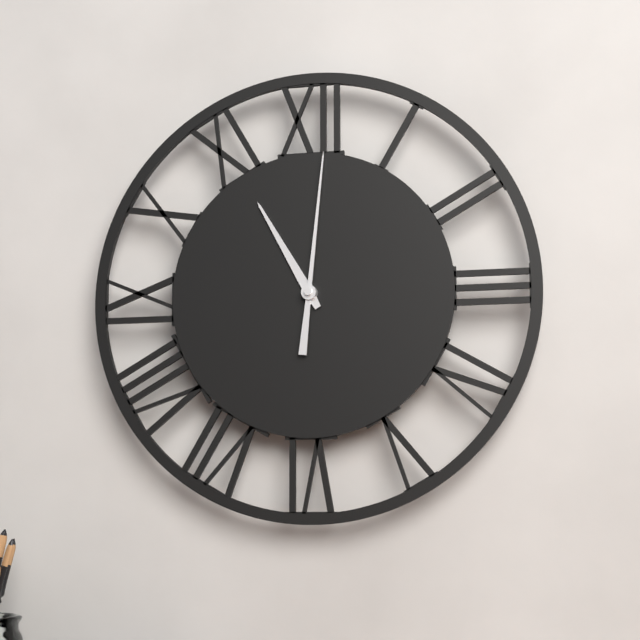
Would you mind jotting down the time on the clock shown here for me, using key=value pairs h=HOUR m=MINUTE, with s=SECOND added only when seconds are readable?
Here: h=11 m=1
